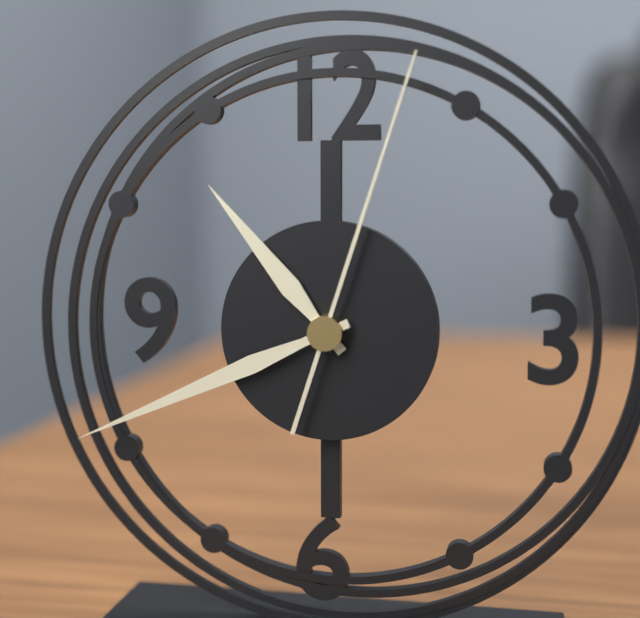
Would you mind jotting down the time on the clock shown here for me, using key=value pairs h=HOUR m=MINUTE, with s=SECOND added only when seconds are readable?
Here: h=10 m=41 s=3
